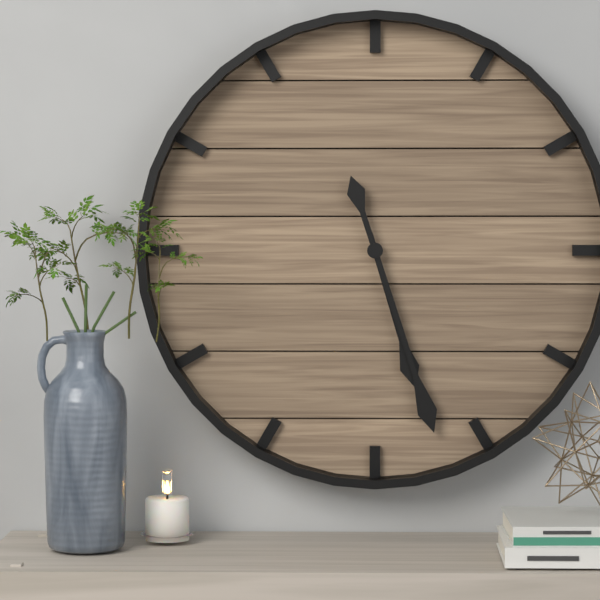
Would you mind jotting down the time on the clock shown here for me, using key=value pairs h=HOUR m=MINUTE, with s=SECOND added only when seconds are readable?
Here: h=5 m=27
